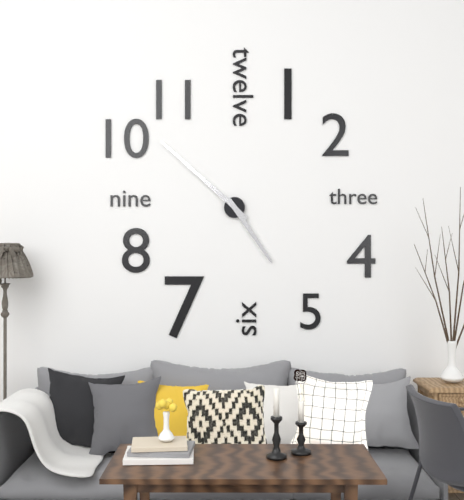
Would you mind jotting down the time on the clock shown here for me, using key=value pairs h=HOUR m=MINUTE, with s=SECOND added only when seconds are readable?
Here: h=4 m=52
